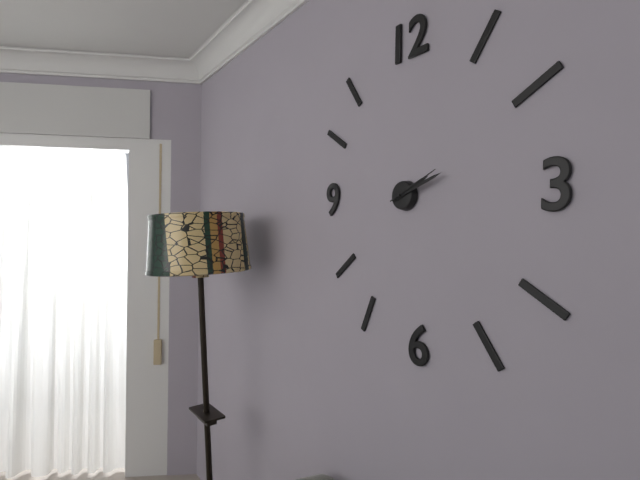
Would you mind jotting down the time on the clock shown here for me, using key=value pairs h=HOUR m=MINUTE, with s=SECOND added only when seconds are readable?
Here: h=2 m=12 s=11
